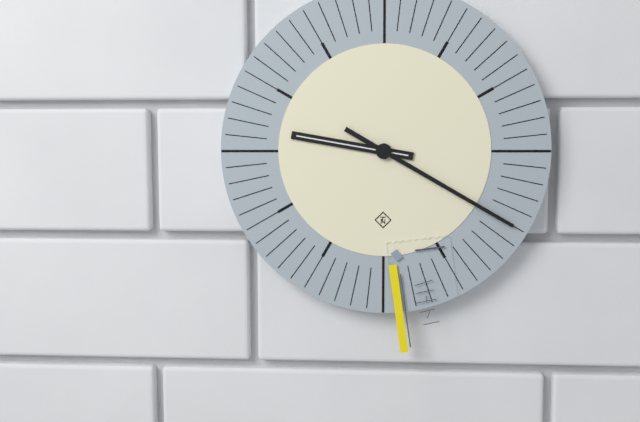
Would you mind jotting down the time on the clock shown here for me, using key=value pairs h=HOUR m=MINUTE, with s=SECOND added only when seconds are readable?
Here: h=9 m=20
